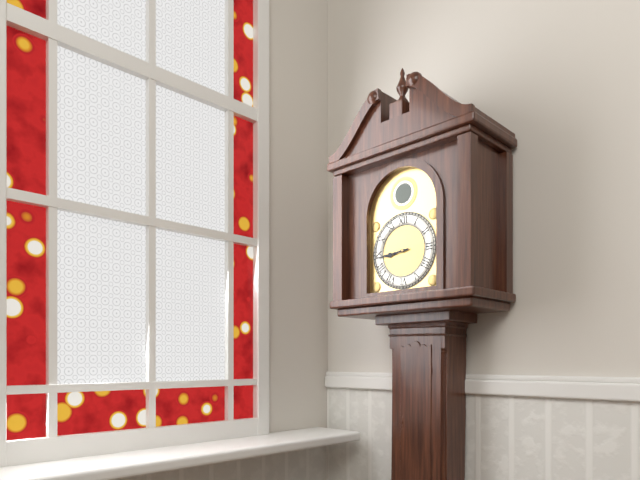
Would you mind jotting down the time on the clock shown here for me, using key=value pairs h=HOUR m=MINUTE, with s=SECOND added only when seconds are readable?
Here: h=8 m=44
